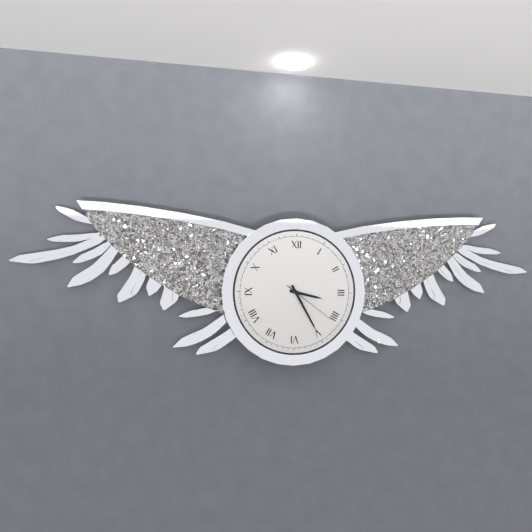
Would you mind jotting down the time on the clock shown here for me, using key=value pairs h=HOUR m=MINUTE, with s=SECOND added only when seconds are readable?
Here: h=3 m=25 s=21
